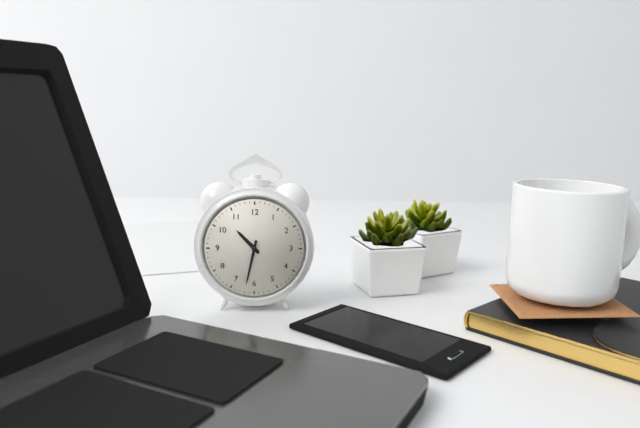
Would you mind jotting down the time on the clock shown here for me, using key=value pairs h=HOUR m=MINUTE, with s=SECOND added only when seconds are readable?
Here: h=10 m=32
